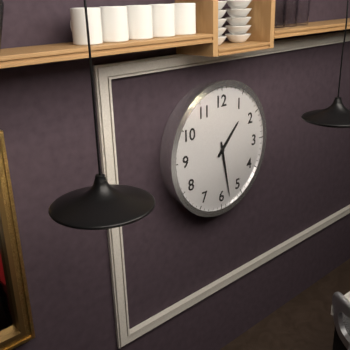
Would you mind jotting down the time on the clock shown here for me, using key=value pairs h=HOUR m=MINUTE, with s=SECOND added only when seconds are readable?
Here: h=1 m=28
